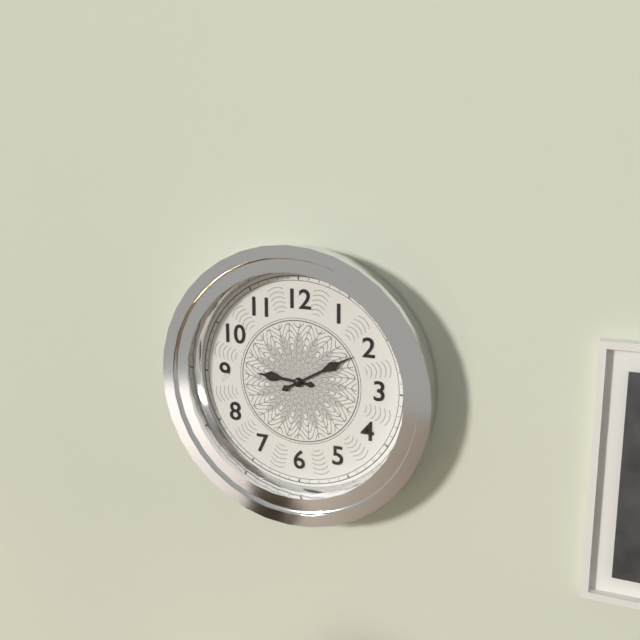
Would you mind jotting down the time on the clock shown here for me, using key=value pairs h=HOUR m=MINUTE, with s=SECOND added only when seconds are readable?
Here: h=9 m=10
